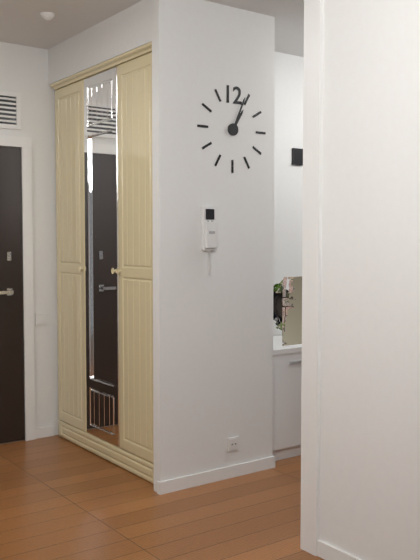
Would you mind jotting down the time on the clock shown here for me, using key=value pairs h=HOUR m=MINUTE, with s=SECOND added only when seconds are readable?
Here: h=1 m=4
